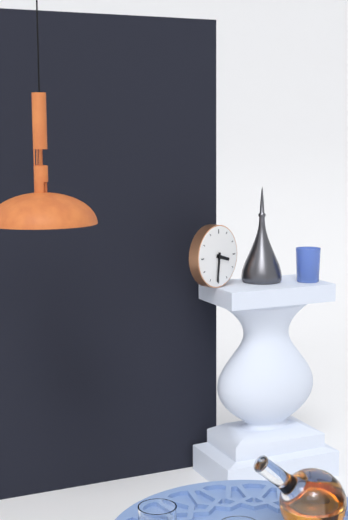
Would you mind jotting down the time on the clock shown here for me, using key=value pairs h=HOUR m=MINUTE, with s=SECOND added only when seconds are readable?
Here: h=3 m=31
